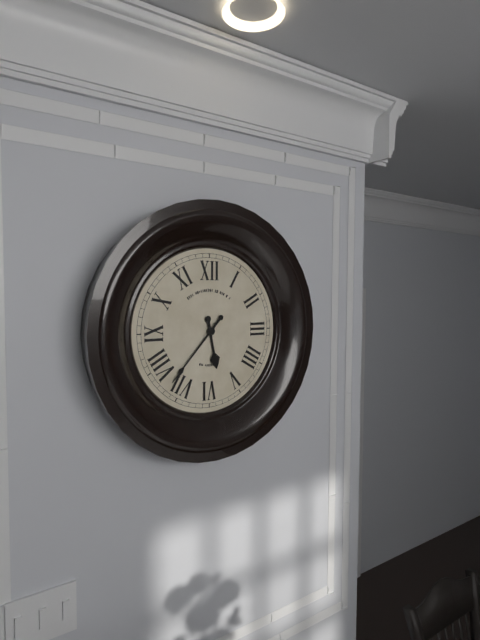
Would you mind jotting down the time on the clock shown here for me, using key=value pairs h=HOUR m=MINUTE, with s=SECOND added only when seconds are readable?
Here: h=5 m=37
